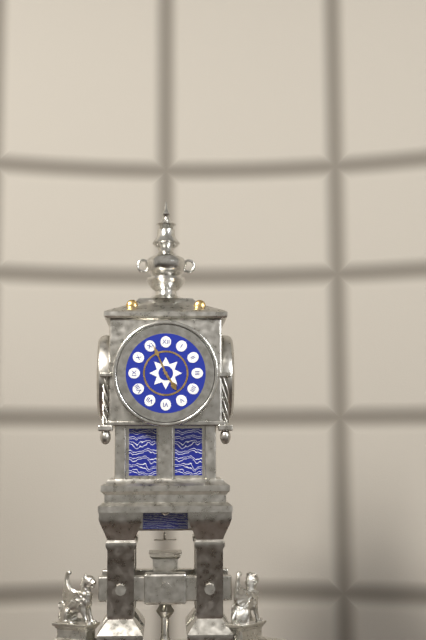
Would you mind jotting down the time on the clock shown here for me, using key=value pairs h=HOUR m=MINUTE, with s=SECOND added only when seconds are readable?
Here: h=4 m=56
